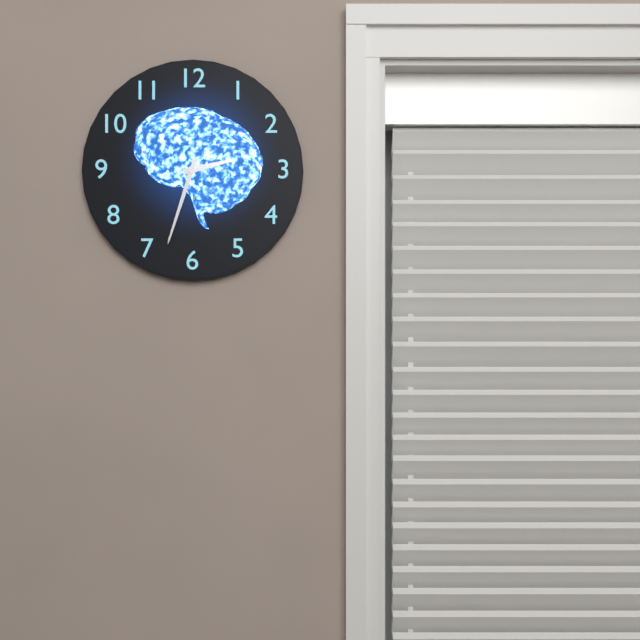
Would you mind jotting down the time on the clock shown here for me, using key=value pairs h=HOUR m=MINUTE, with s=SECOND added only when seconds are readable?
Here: h=2 m=33
